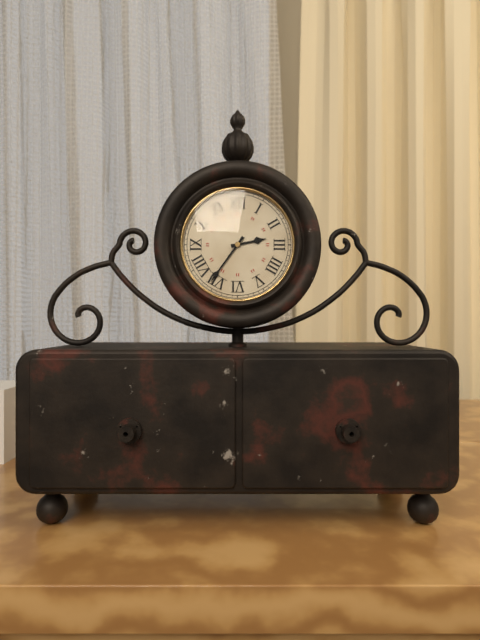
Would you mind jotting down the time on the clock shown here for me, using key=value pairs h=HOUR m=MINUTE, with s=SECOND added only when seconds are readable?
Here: h=2 m=36
